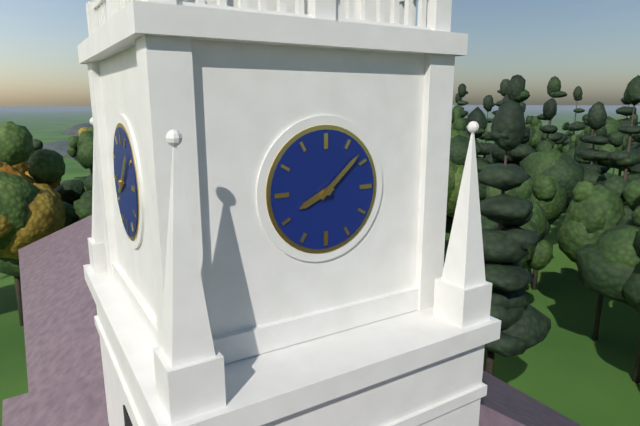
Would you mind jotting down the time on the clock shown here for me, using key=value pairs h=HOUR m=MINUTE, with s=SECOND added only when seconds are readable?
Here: h=8 m=8
